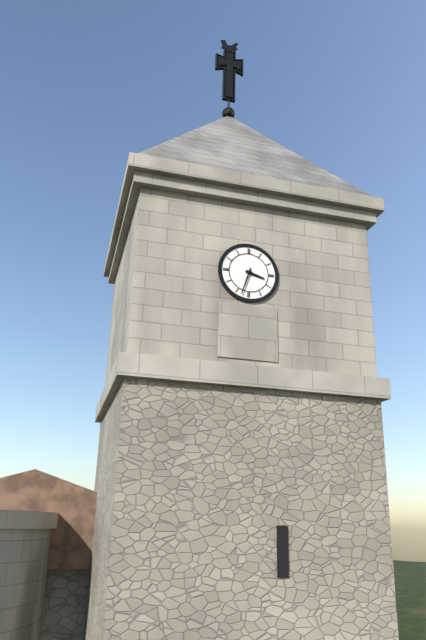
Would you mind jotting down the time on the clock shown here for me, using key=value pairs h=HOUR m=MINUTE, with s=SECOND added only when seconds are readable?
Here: h=3 m=33
